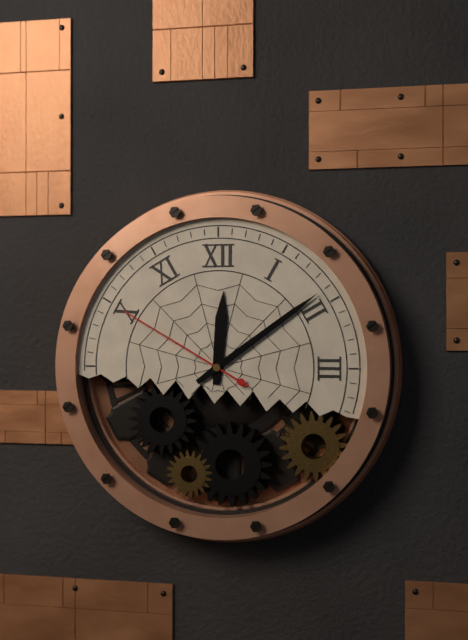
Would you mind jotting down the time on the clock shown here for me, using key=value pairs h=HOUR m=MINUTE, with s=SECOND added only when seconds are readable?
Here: h=12 m=9 s=50
